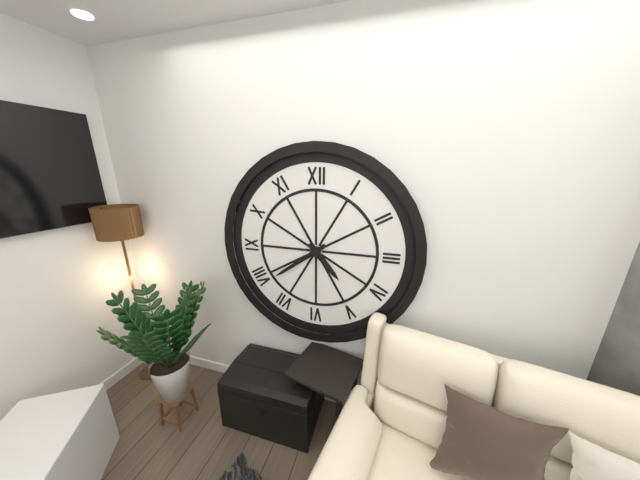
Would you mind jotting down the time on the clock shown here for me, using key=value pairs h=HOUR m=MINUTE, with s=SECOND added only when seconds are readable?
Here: h=4 m=39
